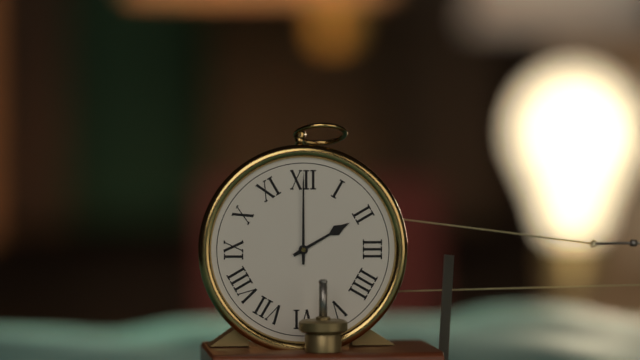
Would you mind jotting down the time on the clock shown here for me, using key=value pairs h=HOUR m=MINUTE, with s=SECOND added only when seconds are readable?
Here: h=2 m=0
